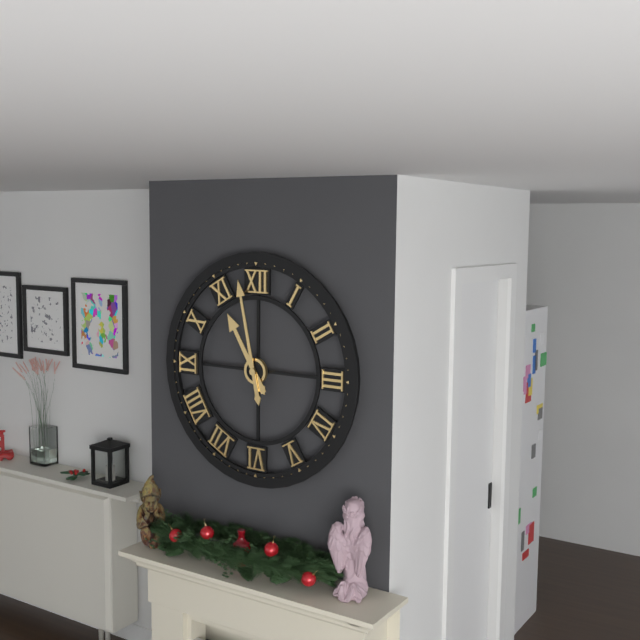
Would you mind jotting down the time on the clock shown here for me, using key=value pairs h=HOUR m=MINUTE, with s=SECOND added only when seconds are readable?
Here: h=10 m=58
